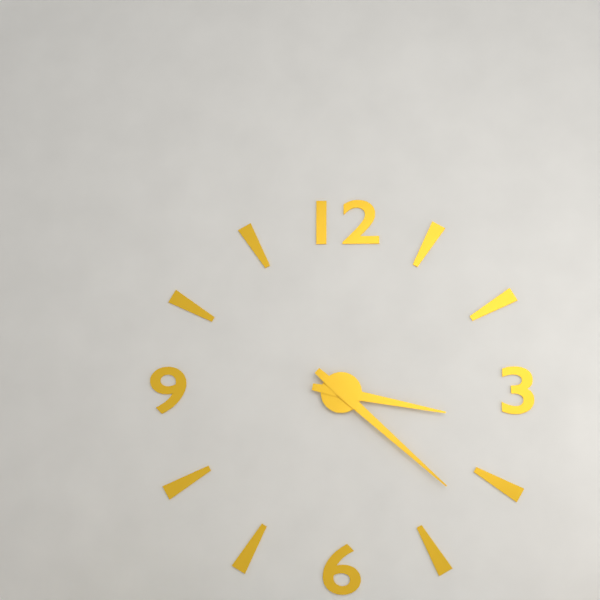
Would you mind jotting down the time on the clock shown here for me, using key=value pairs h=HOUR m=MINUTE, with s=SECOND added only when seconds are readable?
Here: h=3 m=22
